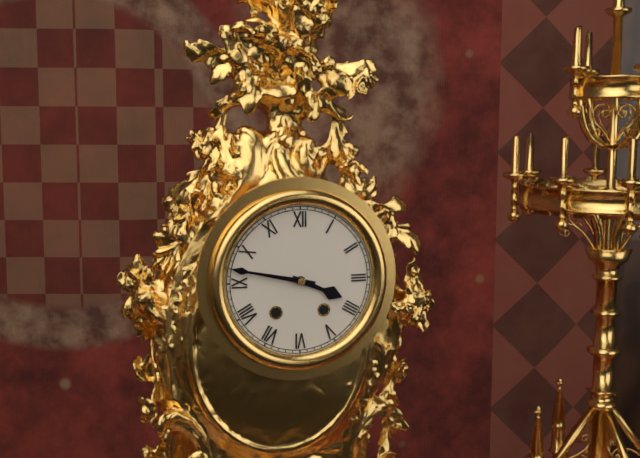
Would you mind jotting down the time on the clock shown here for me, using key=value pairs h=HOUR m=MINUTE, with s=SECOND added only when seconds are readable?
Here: h=3 m=47
